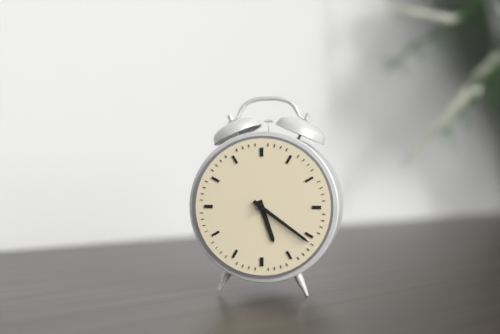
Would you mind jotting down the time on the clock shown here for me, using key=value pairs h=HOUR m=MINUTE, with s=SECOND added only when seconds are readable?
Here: h=5 m=21
